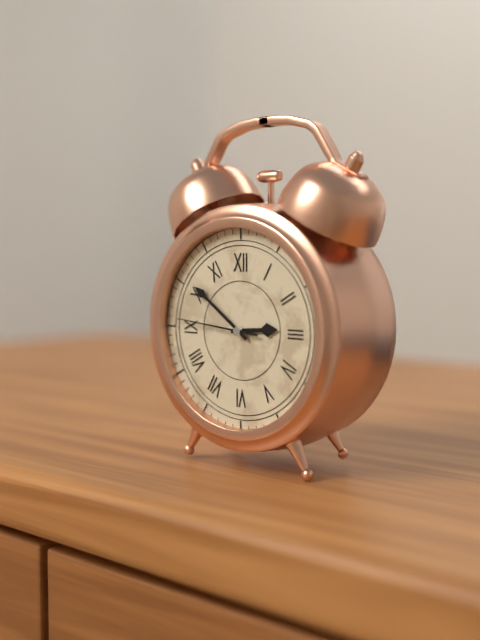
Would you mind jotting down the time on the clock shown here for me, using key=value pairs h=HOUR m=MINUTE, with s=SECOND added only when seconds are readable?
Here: h=2 m=51 s=46
